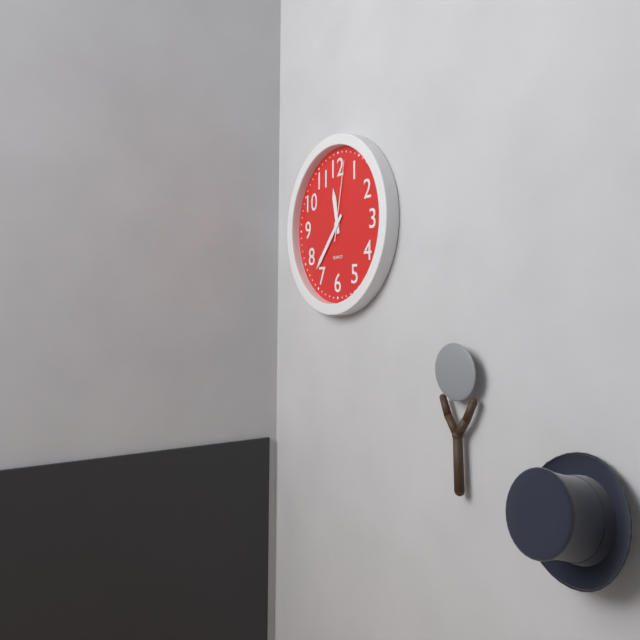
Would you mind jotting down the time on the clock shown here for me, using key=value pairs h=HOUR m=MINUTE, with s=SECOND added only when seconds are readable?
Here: h=11 m=37 s=2
